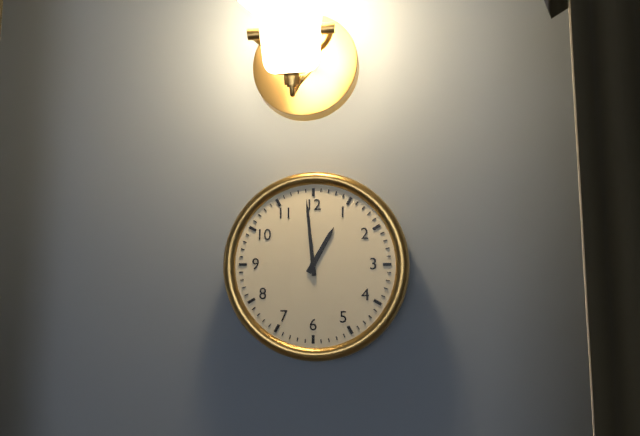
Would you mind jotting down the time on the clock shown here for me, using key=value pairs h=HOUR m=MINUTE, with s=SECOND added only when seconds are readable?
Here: h=12 m=59
